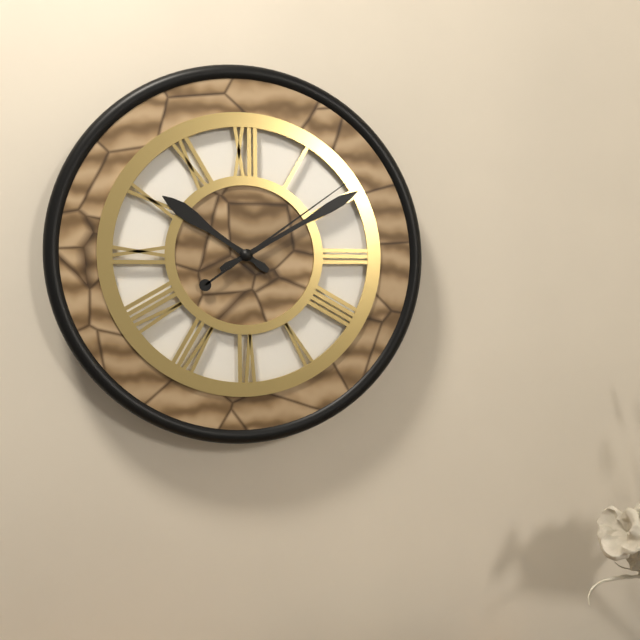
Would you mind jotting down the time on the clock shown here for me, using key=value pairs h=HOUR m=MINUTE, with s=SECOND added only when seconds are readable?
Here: h=10 m=10 s=9
